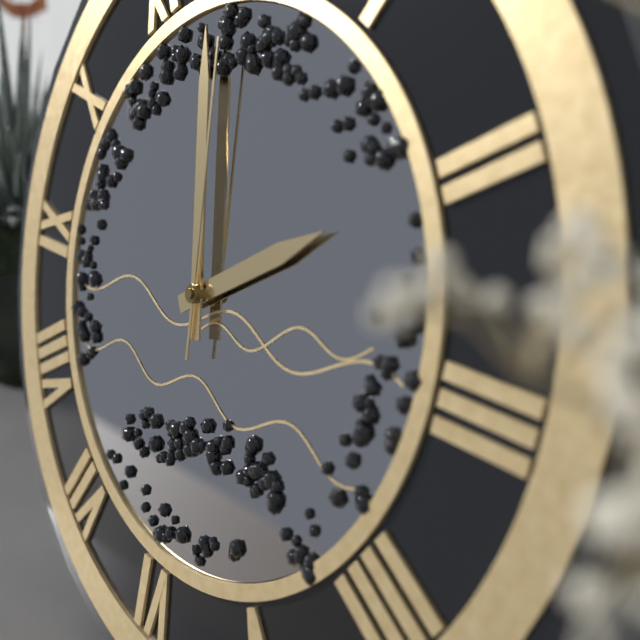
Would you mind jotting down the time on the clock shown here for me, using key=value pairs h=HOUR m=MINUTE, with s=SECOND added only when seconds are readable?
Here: h=1 m=58 s=59
